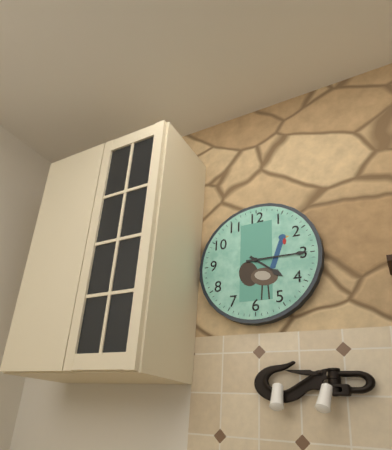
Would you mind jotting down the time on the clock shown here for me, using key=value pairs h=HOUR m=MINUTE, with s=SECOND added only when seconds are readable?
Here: h=4 m=15
